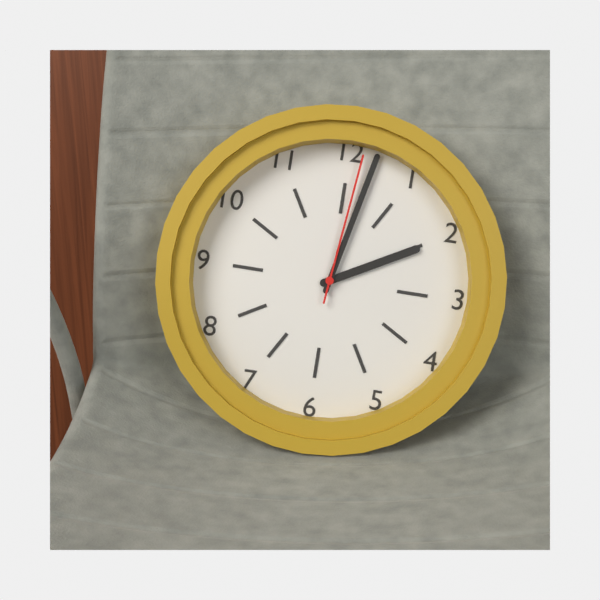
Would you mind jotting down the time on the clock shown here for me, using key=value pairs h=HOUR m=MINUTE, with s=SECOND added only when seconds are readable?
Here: h=2 m=2 s=1
